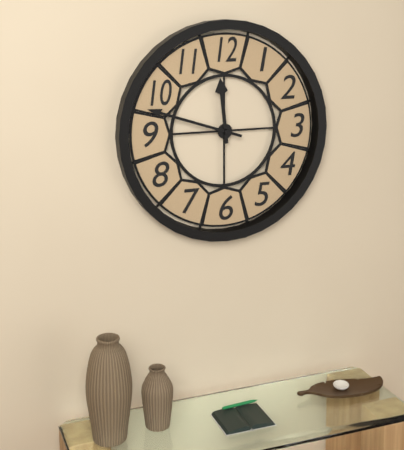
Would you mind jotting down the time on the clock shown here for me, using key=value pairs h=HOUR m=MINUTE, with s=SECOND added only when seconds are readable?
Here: h=11 m=48
